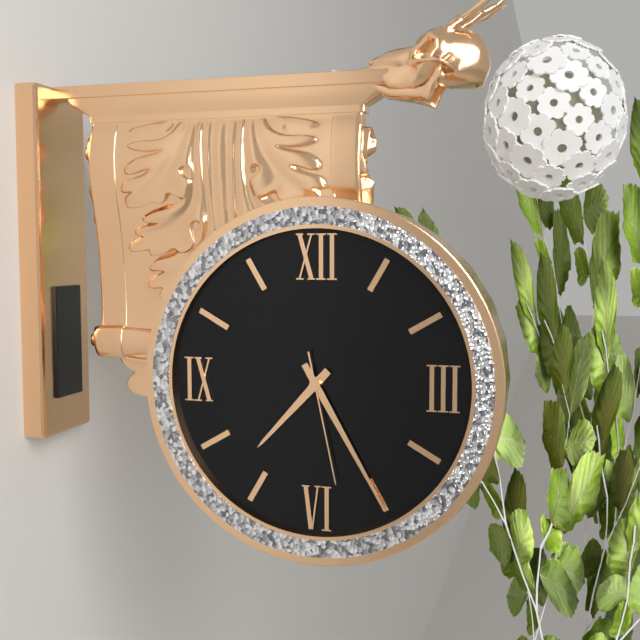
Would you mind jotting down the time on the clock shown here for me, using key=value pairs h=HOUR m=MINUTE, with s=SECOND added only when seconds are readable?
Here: h=7 m=25 s=28
